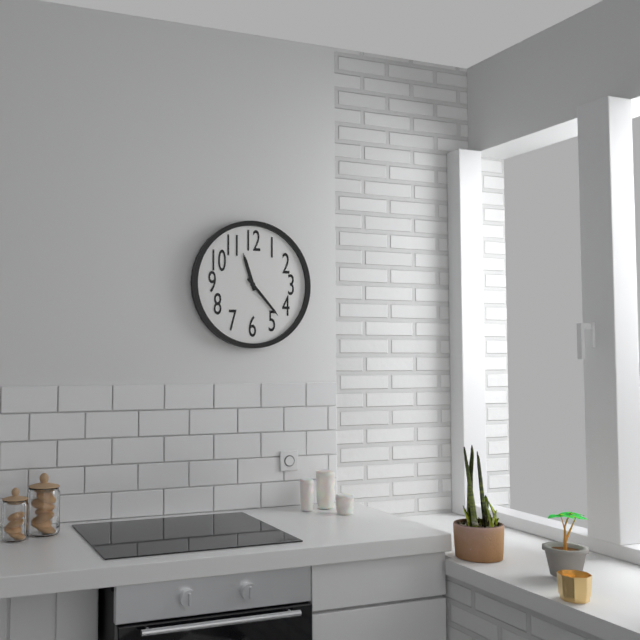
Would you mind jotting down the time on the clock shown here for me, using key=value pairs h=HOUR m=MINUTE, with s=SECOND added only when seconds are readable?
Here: h=11 m=23
